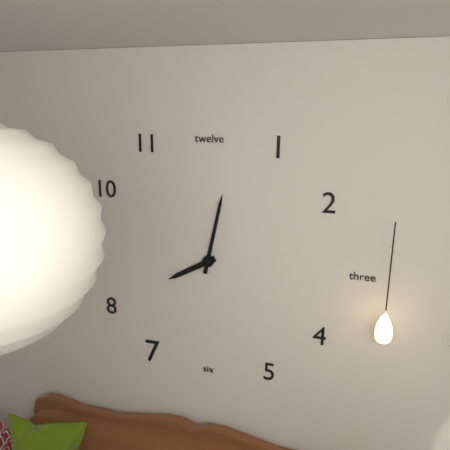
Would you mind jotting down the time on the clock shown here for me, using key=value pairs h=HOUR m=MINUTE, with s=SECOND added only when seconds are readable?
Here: h=8 m=2
